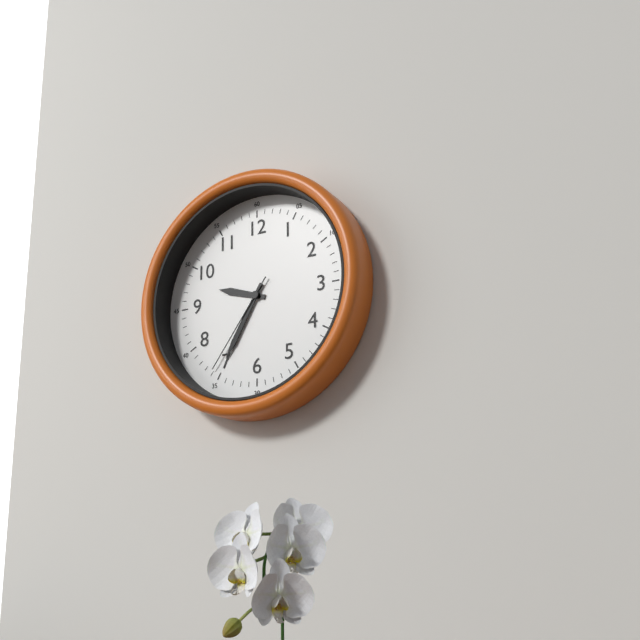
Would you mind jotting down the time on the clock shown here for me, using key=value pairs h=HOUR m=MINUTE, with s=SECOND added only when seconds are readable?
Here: h=9 m=35 s=36
